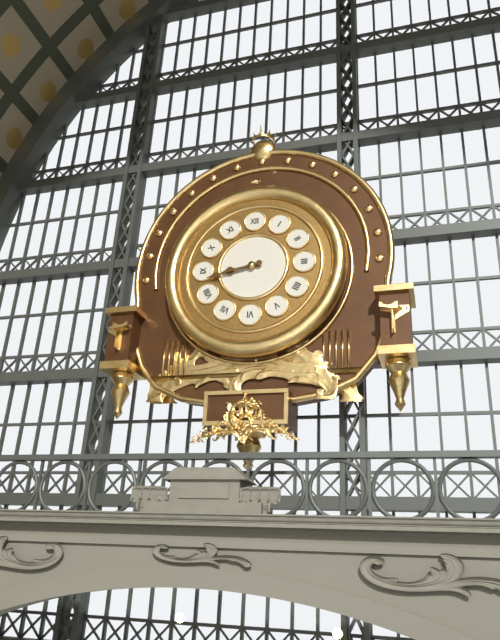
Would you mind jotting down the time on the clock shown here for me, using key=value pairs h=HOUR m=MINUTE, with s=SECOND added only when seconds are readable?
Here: h=8 m=43
